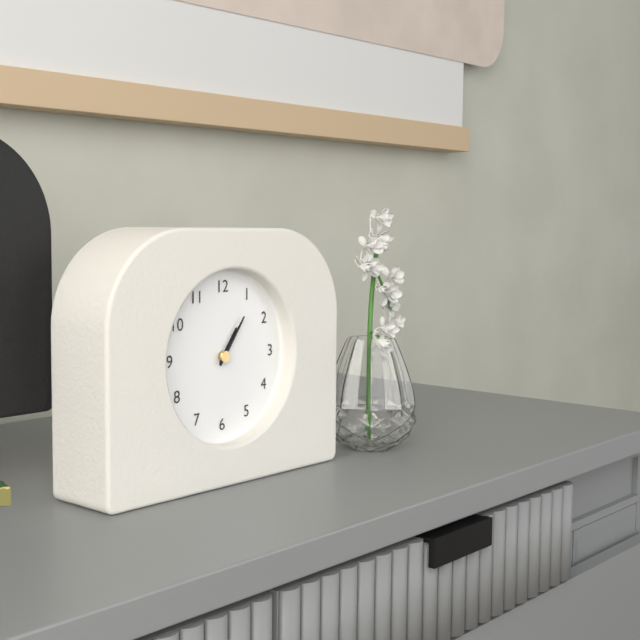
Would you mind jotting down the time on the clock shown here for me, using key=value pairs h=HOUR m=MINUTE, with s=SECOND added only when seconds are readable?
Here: h=1 m=6
